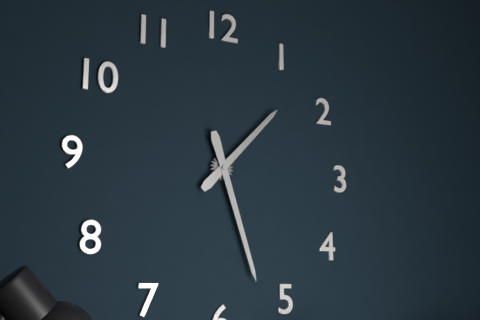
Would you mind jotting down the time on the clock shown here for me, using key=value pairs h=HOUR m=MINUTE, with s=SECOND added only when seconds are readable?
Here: h=1 m=27
